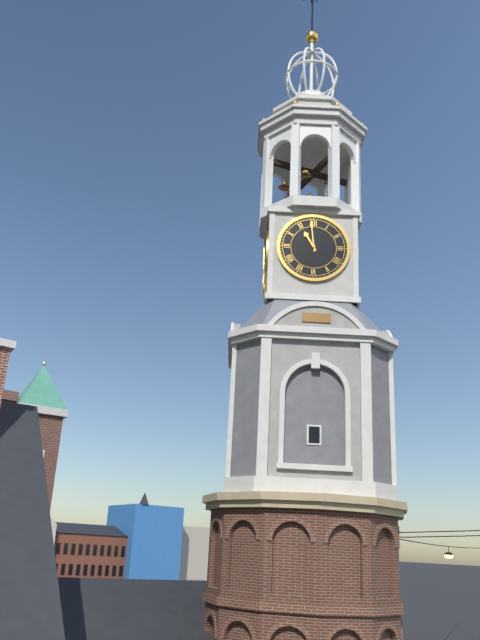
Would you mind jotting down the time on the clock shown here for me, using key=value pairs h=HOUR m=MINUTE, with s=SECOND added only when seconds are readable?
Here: h=10 m=59
